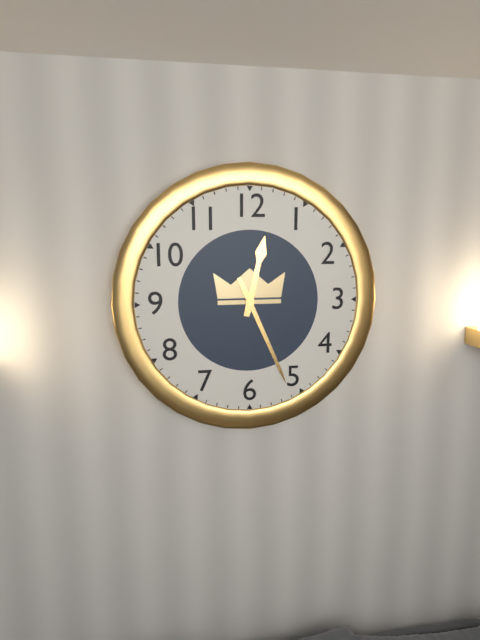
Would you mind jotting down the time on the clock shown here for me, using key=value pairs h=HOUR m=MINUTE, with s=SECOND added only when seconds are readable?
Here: h=12 m=26
